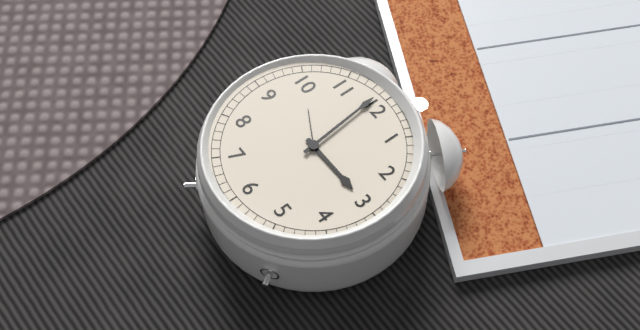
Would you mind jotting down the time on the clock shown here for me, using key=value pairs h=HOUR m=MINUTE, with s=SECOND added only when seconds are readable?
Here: h=2 m=59
